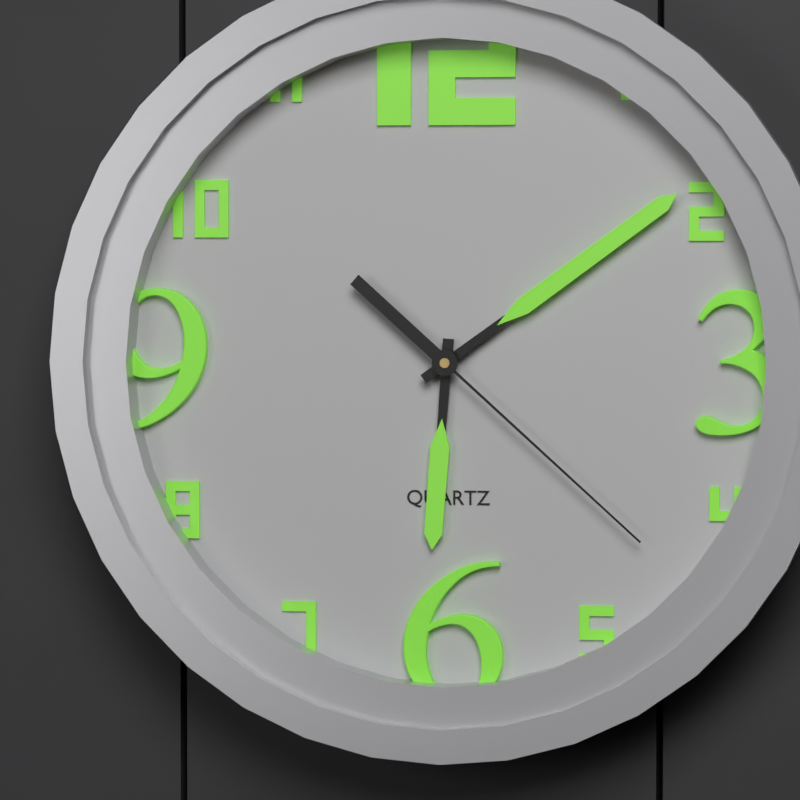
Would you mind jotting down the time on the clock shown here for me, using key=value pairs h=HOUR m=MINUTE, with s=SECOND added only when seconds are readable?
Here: h=6 m=9 s=22
